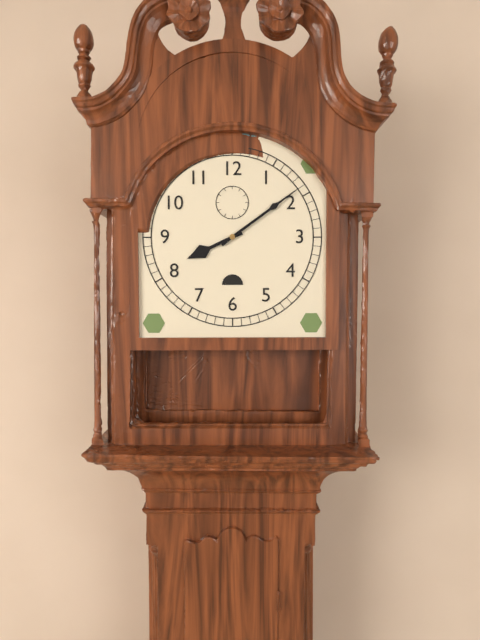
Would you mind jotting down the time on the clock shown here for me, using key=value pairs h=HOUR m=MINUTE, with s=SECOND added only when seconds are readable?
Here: h=8 m=9
